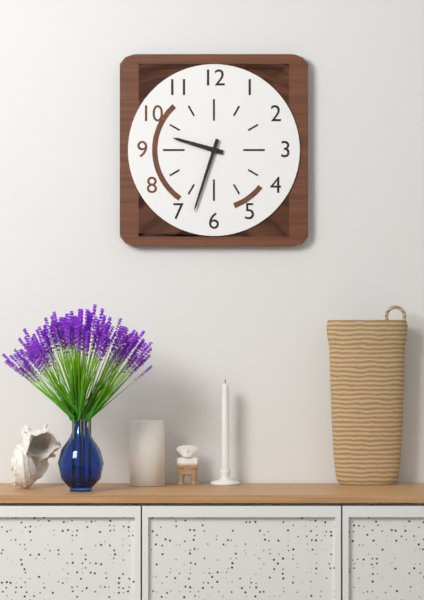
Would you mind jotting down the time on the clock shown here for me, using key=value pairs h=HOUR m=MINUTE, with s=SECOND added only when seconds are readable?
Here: h=9 m=33
